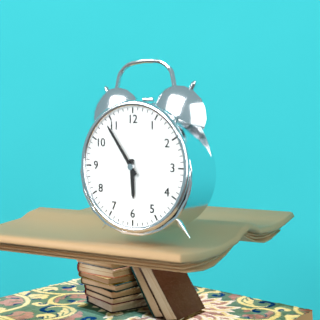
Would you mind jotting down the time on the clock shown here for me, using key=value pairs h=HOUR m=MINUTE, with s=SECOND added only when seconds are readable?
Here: h=5 m=54
